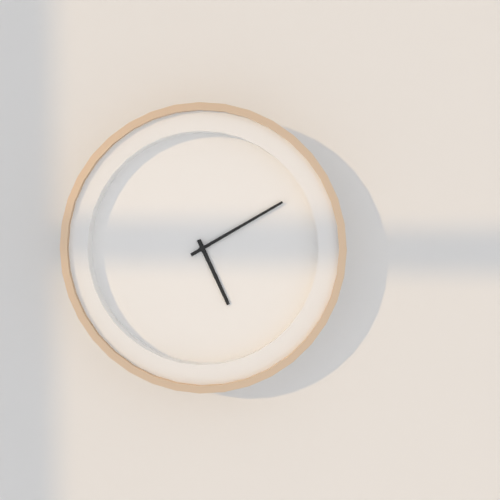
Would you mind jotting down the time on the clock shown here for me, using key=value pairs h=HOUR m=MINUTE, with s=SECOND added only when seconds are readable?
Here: h=5 m=10
